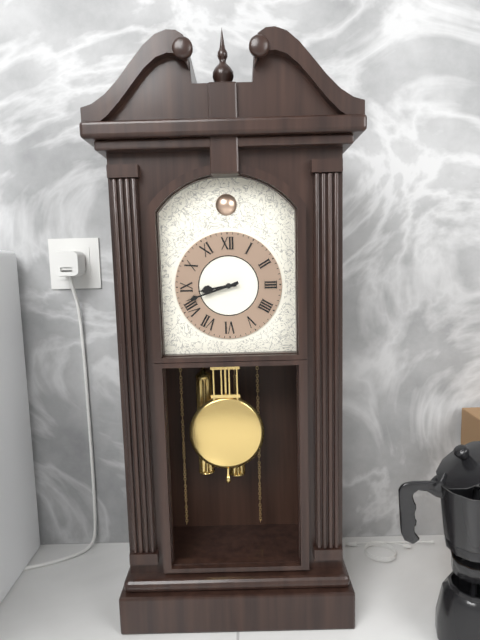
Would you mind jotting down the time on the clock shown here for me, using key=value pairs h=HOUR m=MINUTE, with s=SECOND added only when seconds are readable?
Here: h=8 m=42
